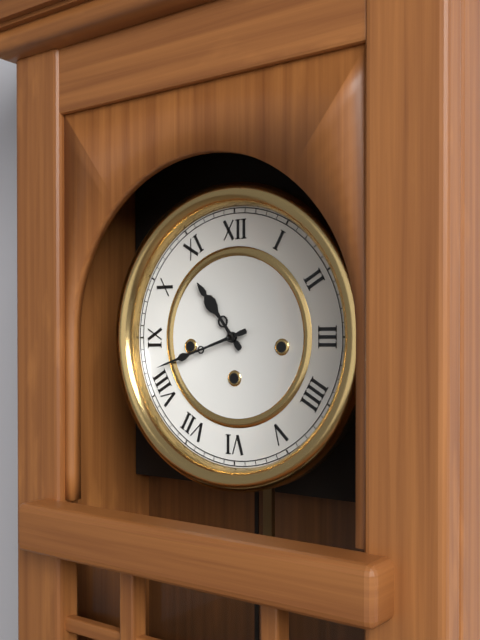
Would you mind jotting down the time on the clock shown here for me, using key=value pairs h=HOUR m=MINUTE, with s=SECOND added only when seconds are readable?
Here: h=10 m=42
